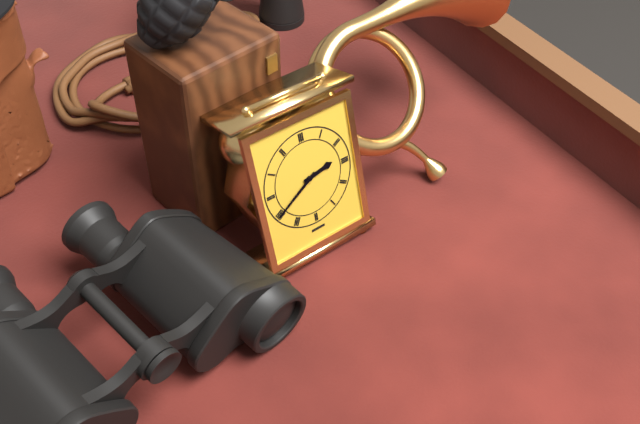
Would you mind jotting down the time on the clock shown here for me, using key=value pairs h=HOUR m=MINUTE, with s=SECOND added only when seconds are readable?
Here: h=2 m=40
